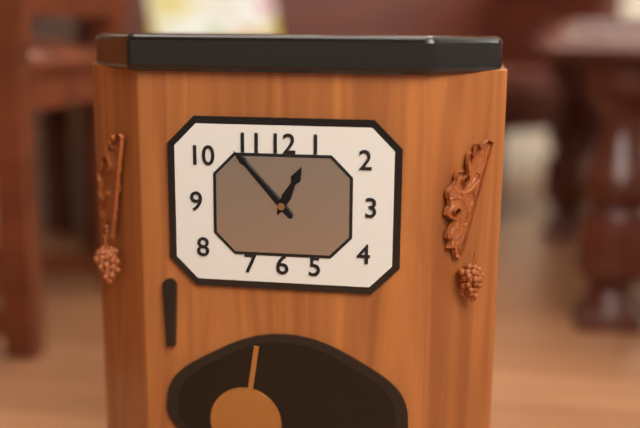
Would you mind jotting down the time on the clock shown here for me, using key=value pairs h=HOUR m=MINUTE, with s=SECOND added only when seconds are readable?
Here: h=12 m=53
